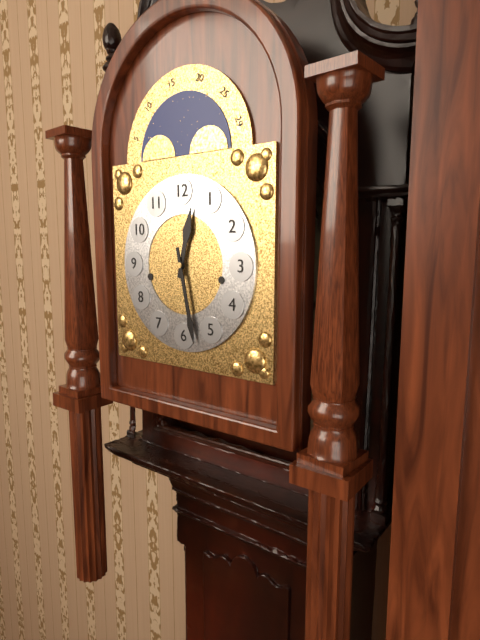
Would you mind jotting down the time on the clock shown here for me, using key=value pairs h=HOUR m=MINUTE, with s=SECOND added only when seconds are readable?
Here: h=12 m=28
